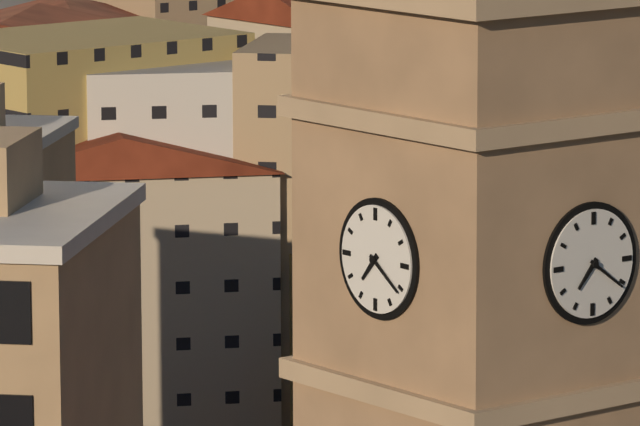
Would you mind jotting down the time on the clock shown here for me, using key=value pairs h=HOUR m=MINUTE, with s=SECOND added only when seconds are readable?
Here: h=7 m=21
